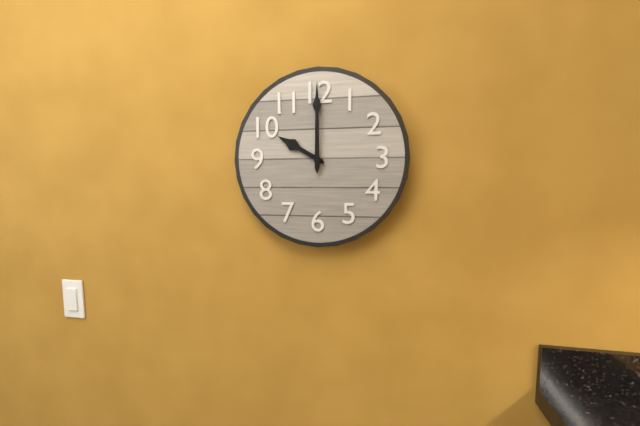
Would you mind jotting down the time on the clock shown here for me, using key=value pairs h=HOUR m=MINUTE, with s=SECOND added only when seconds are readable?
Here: h=10 m=0
